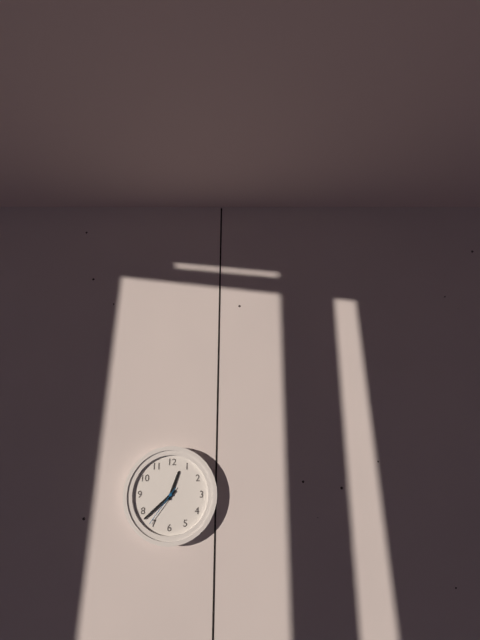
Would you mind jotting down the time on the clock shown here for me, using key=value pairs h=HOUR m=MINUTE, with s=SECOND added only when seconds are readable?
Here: h=12 m=38
